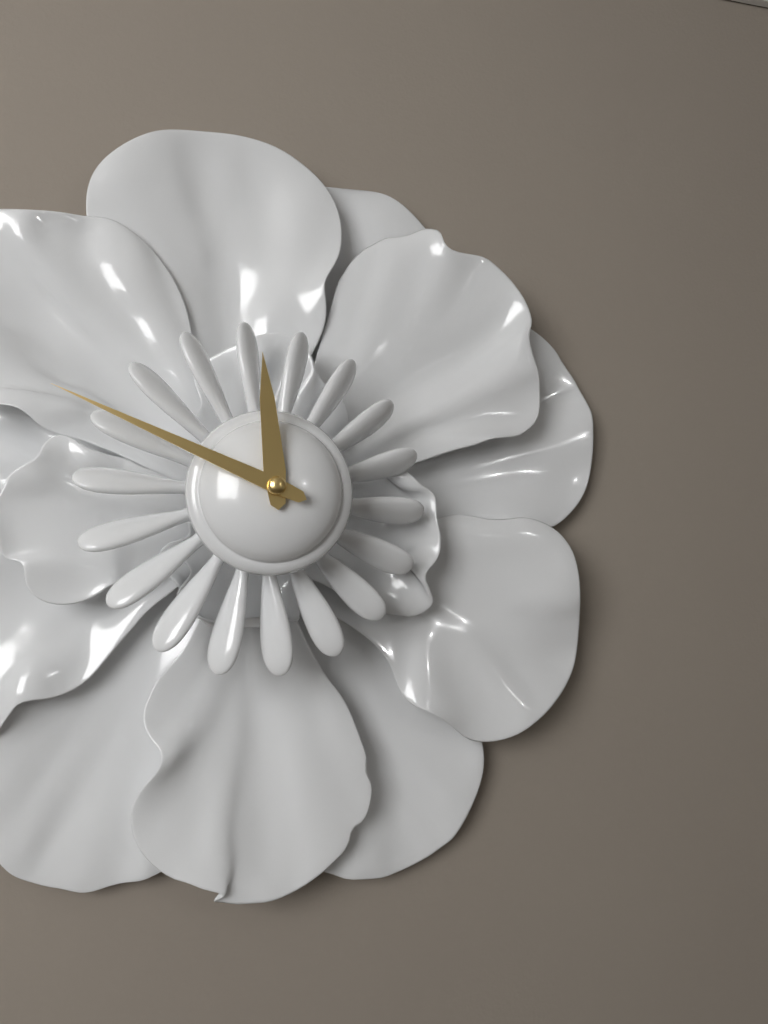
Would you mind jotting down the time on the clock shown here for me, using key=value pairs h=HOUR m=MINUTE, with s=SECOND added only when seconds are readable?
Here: h=11 m=49
